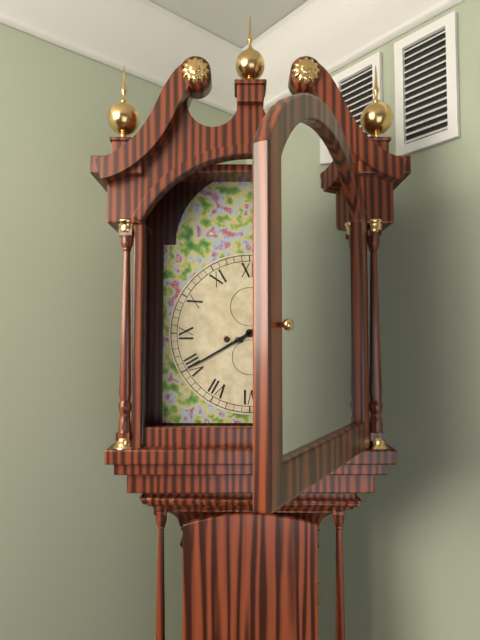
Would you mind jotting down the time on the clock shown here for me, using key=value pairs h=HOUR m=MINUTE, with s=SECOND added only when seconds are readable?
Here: h=1 m=40
